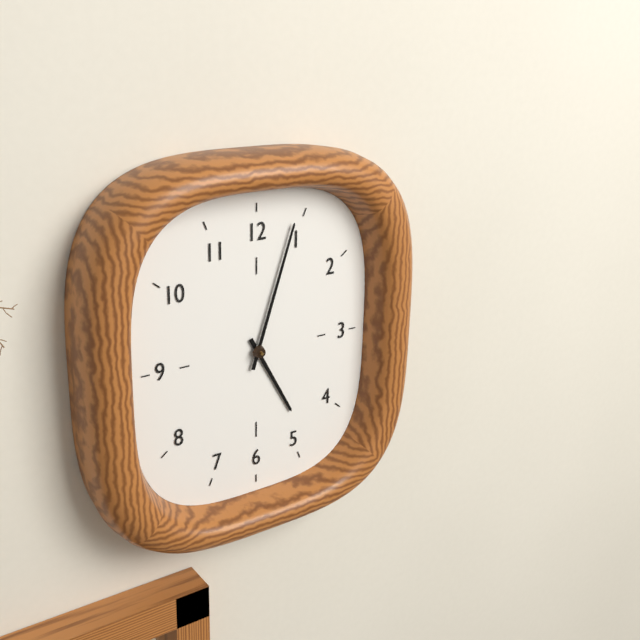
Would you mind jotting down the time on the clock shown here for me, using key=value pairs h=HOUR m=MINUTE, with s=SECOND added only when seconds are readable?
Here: h=5 m=3
